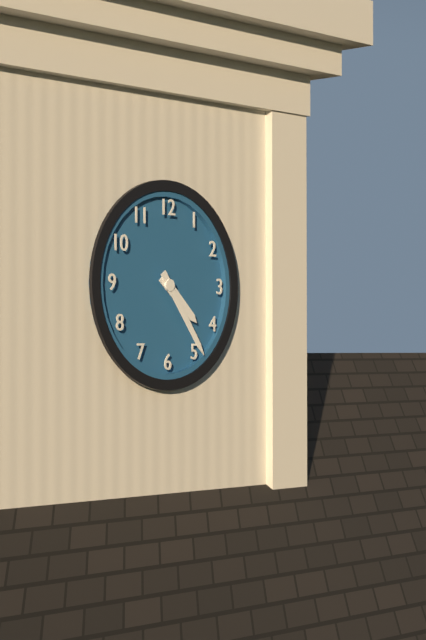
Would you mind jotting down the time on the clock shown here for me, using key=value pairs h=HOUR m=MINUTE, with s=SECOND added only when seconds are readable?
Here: h=4 m=24
